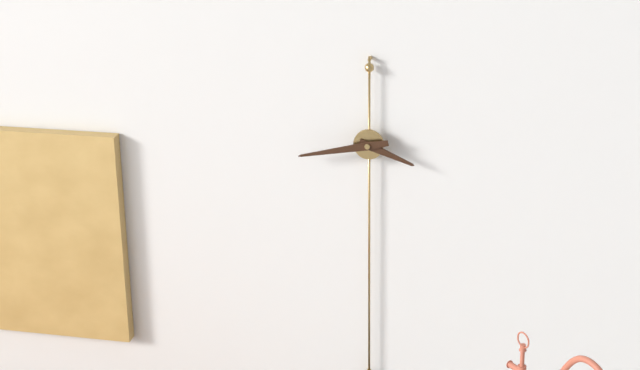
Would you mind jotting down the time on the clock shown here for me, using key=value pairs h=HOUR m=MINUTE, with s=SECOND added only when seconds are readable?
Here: h=3 m=43
